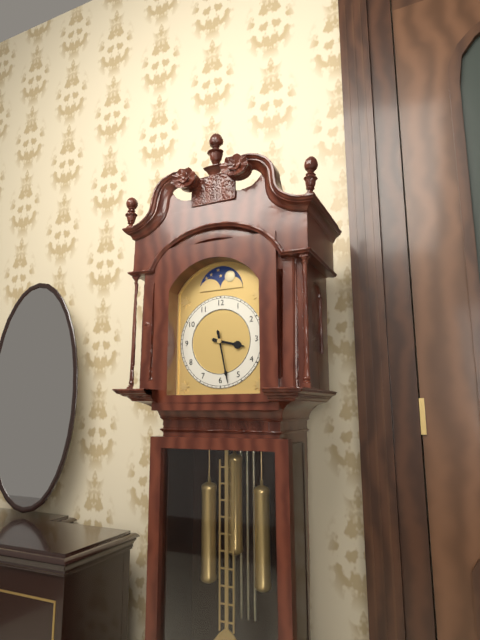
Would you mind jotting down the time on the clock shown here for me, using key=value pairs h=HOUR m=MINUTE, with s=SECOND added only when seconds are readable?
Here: h=3 m=28
